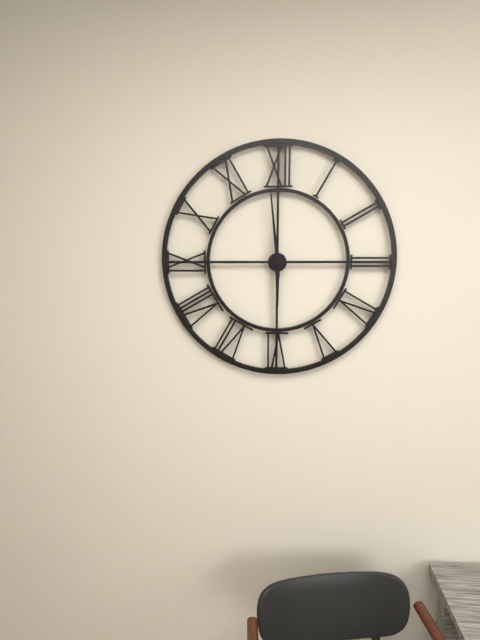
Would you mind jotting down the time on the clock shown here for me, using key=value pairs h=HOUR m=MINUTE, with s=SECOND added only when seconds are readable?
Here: h=5 m=59
